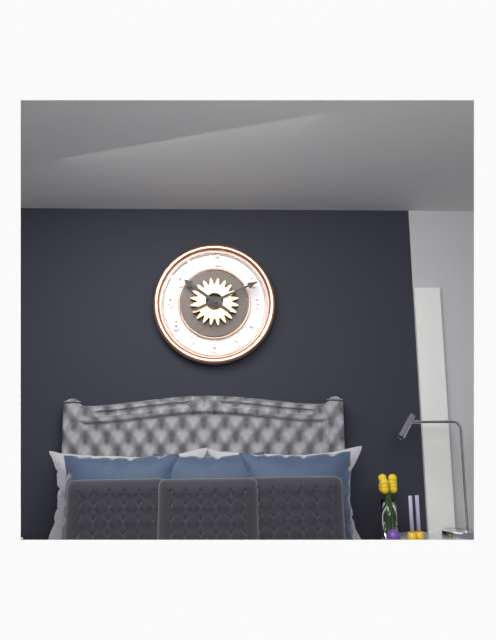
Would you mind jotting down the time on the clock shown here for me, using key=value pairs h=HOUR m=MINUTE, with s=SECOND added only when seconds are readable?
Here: h=10 m=11
